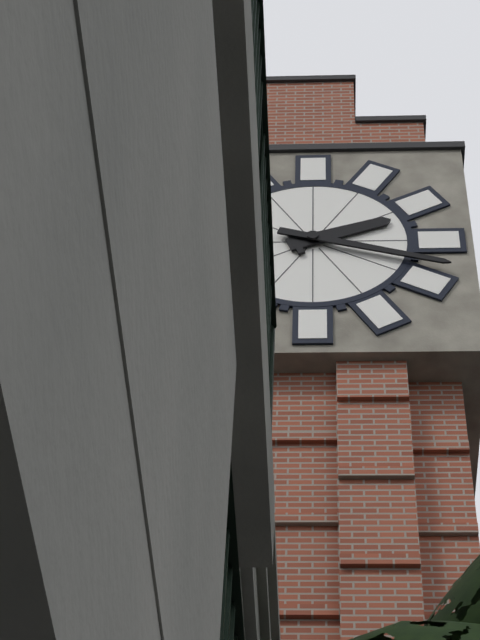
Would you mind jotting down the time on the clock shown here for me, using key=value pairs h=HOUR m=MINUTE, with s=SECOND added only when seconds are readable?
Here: h=2 m=18
